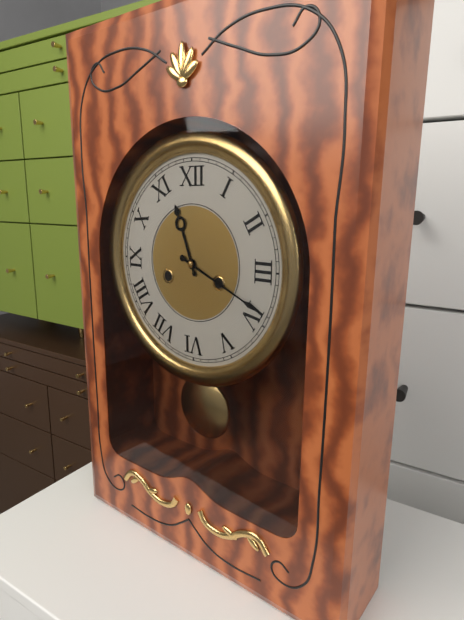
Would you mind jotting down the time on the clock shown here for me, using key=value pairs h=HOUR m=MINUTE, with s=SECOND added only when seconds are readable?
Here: h=11 m=19
